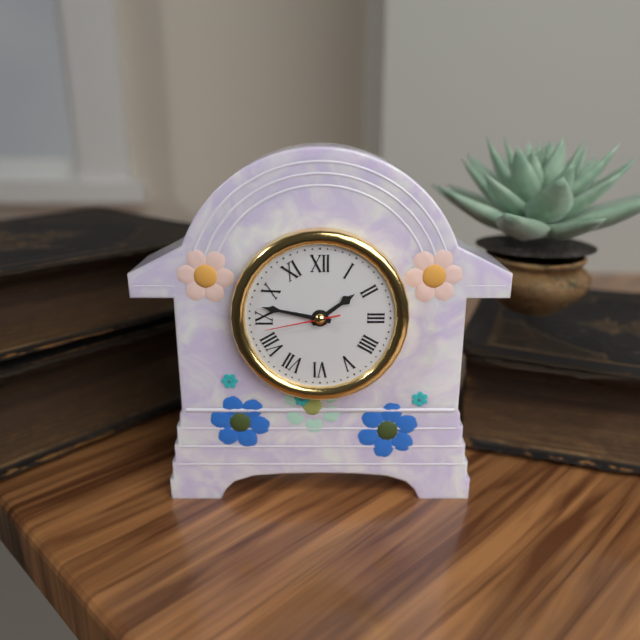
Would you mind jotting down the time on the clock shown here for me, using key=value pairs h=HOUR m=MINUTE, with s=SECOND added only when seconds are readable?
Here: h=1 m=47 s=43
